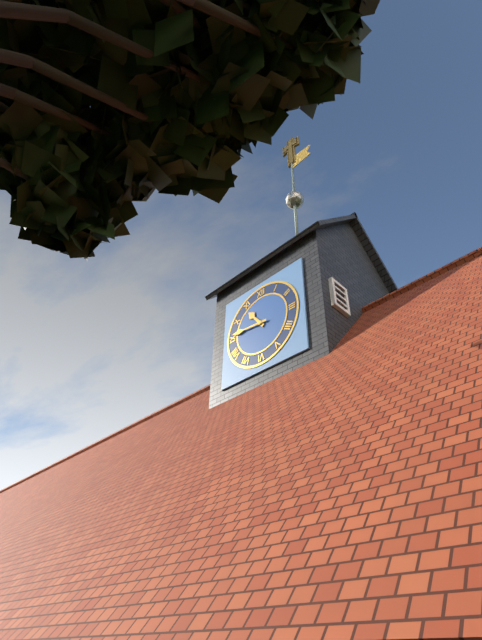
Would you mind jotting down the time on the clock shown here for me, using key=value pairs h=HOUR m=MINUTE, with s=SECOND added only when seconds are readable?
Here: h=10 m=46
